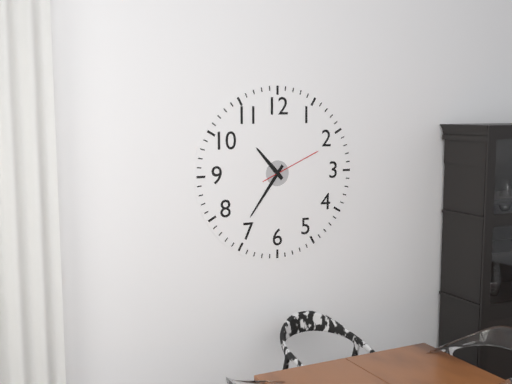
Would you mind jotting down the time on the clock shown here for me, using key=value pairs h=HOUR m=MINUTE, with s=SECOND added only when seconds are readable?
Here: h=10 m=36 s=11
